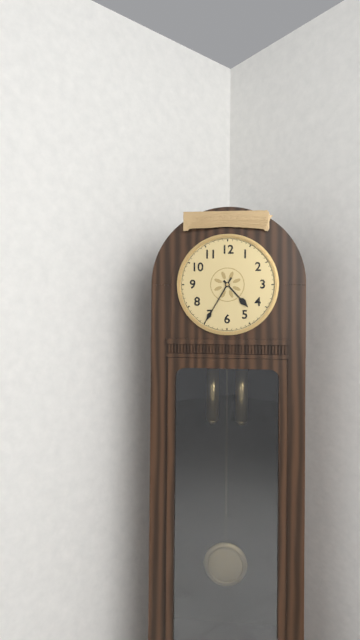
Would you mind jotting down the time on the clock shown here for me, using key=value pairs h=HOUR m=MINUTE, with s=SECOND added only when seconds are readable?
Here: h=4 m=35
